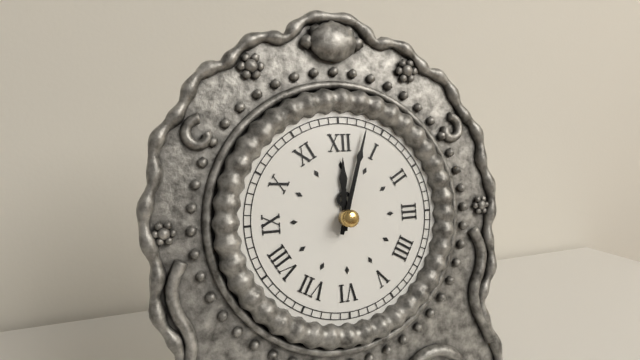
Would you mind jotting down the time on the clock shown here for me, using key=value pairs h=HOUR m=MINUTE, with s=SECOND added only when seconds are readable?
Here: h=12 m=3
